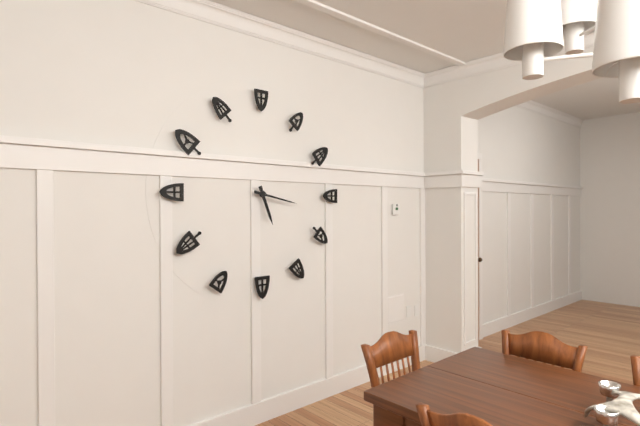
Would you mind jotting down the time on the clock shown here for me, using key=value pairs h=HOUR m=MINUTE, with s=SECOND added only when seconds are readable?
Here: h=5 m=17
